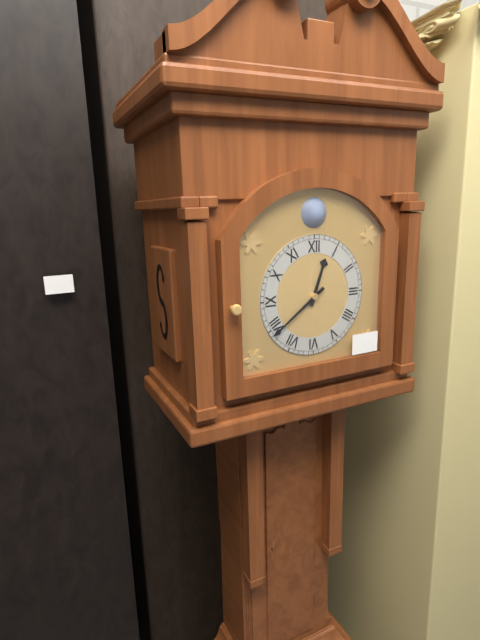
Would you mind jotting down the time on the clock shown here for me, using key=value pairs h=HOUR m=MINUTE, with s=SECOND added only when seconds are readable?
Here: h=12 m=39
